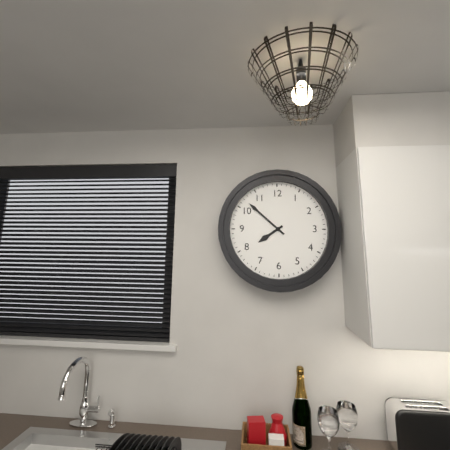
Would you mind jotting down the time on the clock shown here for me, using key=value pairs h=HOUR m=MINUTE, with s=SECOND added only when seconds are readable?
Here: h=7 m=52
